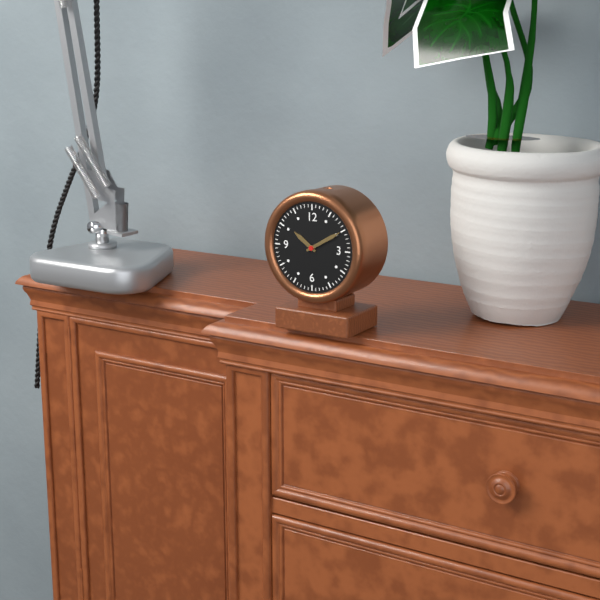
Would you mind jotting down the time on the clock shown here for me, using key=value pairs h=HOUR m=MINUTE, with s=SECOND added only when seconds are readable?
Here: h=10 m=10
